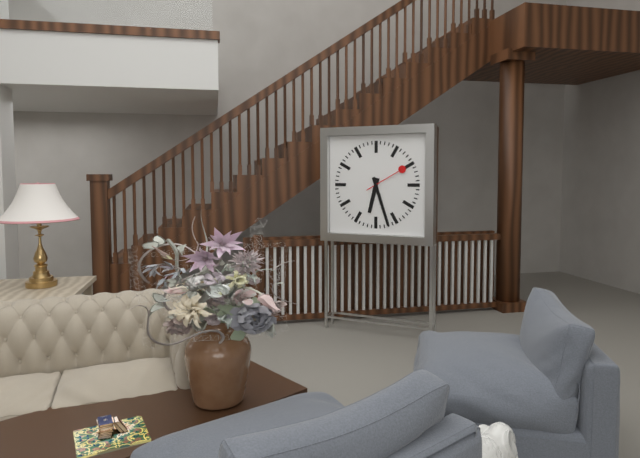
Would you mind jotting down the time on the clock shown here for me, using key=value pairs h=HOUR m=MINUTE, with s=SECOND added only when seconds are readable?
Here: h=6 m=27
